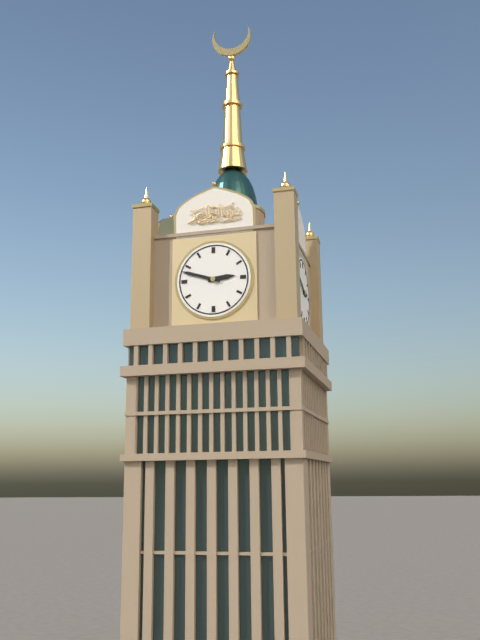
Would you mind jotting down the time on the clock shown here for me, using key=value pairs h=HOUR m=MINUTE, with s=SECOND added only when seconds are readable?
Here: h=2 m=48
